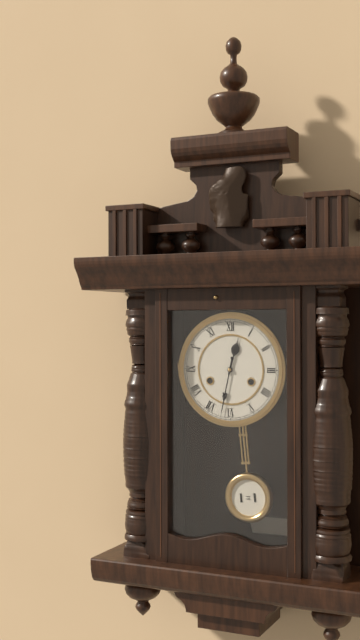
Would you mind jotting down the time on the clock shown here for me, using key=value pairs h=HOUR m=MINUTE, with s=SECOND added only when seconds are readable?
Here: h=12 m=32
